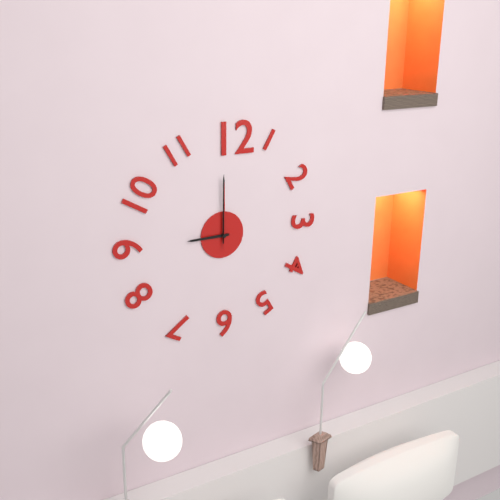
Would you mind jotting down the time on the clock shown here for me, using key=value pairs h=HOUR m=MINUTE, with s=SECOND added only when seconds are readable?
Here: h=9 m=0 s=0
